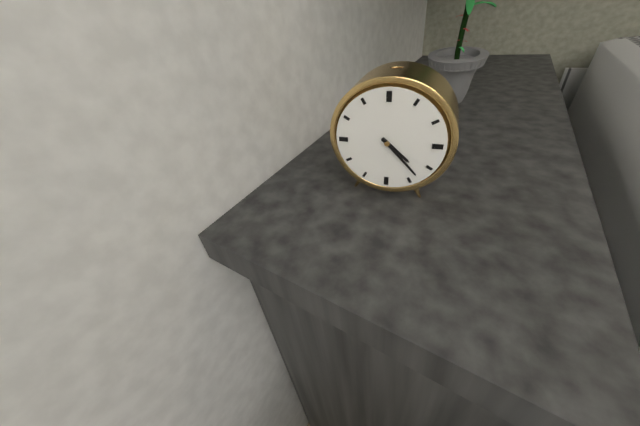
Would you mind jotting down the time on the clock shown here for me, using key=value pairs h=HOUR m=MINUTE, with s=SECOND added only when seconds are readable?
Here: h=4 m=23
